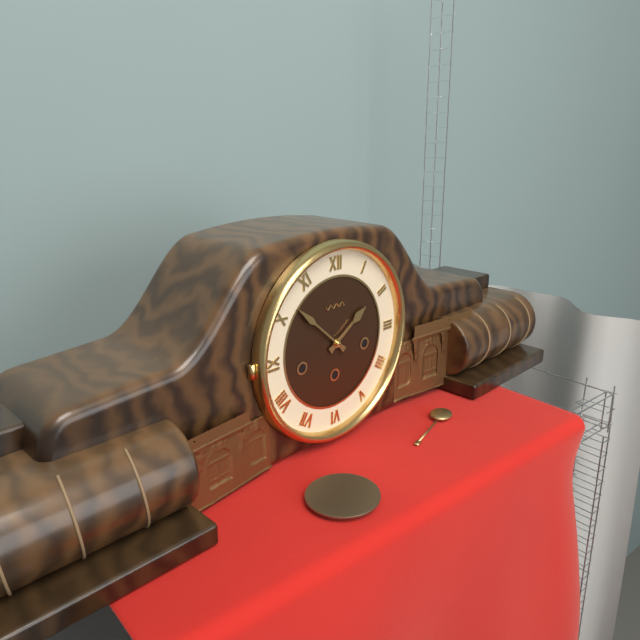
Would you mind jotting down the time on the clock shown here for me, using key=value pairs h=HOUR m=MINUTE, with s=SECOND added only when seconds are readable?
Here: h=1 m=52
